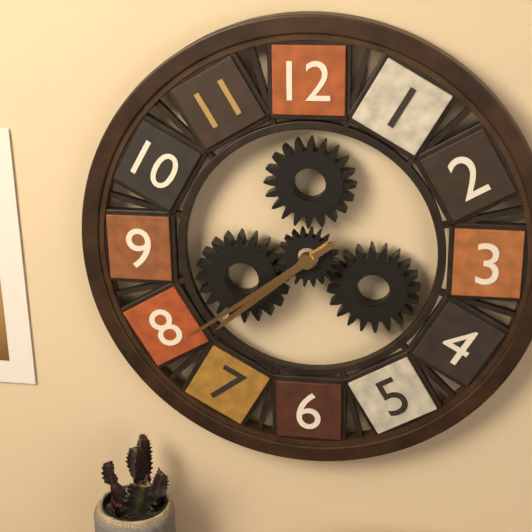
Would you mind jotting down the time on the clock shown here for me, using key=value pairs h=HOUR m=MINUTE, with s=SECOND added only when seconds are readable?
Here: h=7 m=39
